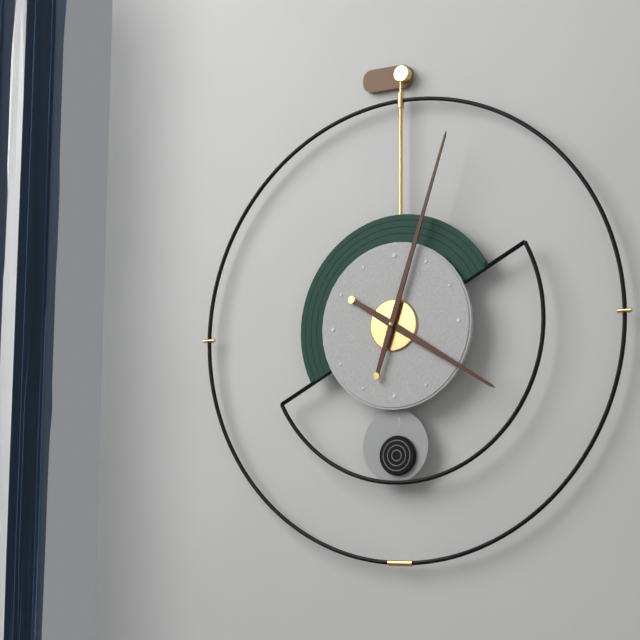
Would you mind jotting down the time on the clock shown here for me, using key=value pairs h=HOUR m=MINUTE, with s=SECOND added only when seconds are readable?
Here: h=4 m=3
